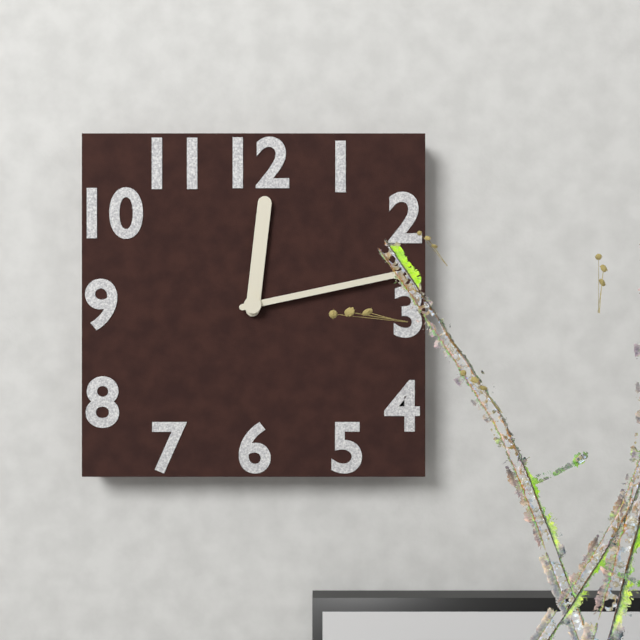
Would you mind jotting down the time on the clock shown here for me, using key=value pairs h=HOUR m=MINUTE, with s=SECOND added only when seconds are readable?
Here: h=12 m=13
